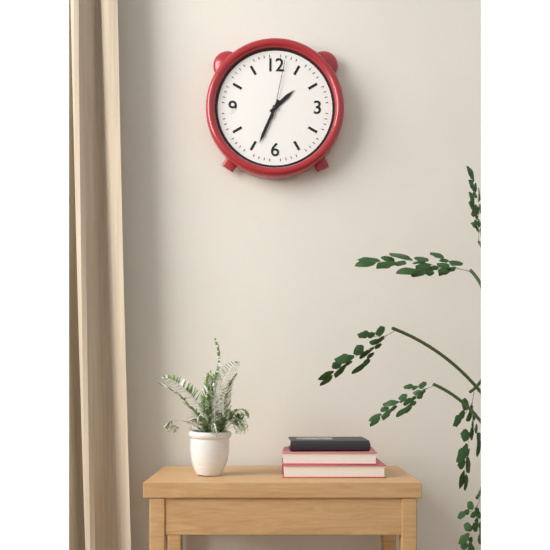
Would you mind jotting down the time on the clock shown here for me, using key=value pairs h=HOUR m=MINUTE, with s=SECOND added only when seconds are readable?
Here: h=1 m=34 s=2
